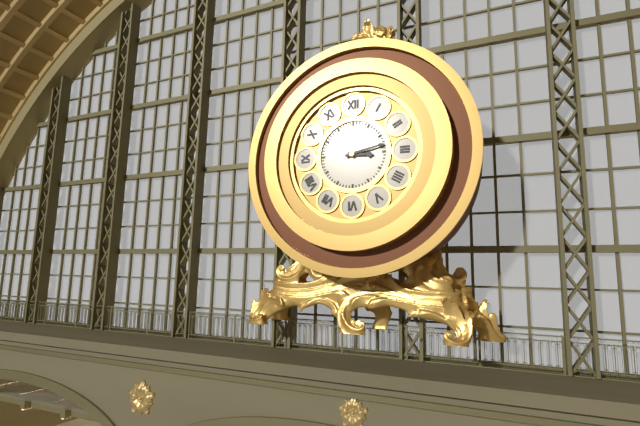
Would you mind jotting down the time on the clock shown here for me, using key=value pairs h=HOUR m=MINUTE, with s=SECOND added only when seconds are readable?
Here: h=3 m=13
